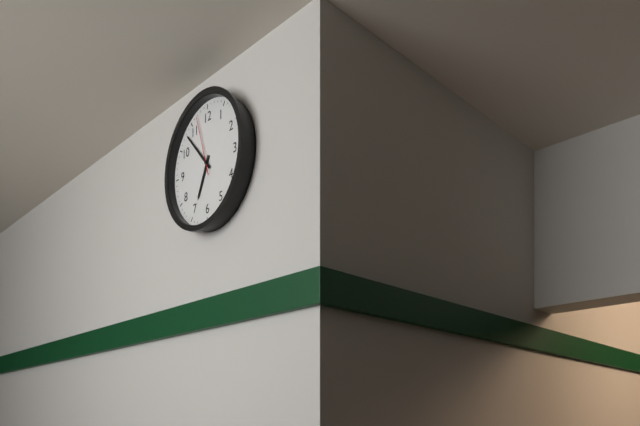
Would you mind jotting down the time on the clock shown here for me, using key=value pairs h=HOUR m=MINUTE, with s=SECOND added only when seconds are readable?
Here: h=6 m=53 s=57
